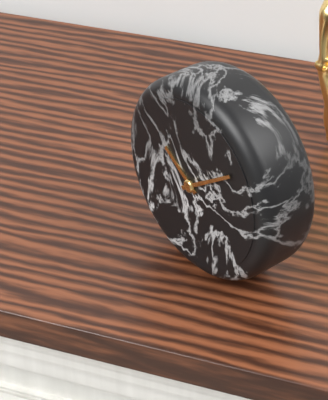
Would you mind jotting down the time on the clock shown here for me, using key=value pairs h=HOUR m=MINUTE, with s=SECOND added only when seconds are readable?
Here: h=10 m=9
